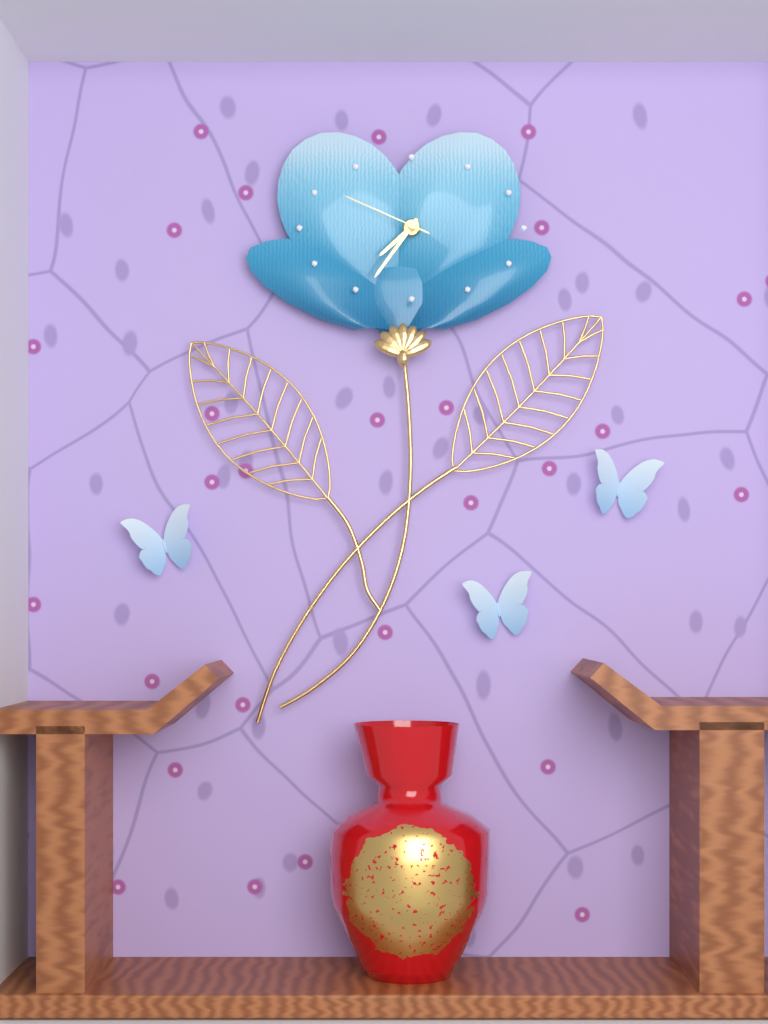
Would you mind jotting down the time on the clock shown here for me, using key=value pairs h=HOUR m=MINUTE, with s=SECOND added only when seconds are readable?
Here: h=7 m=36 s=49
